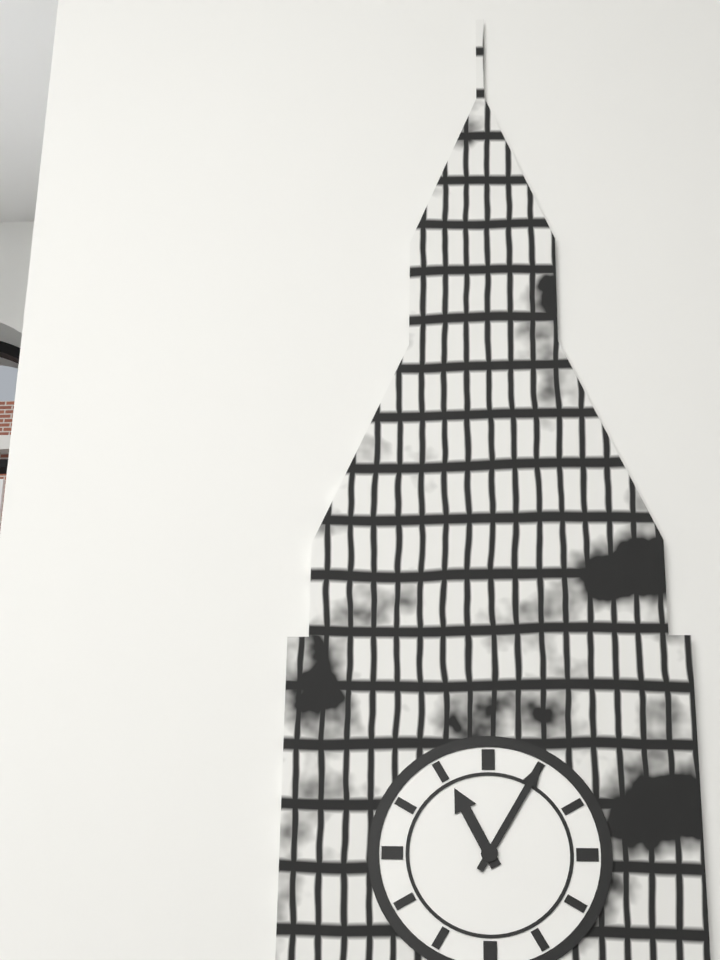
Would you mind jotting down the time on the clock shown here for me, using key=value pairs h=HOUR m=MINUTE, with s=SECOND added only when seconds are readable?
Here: h=11 m=5
